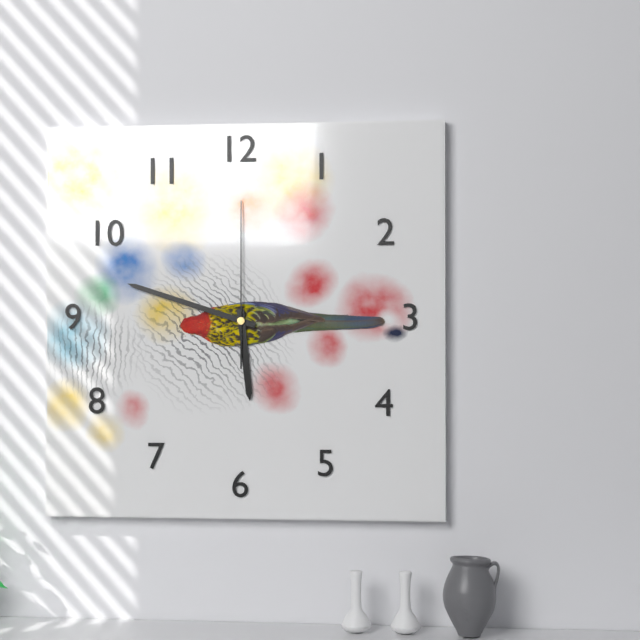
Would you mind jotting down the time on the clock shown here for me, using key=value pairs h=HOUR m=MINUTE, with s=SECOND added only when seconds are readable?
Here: h=5 m=48 s=0
